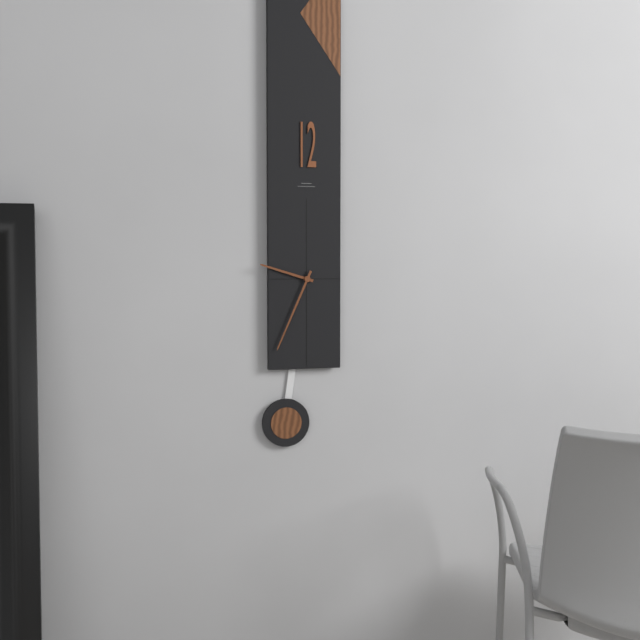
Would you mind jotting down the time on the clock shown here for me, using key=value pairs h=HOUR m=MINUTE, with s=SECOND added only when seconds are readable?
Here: h=9 m=34
